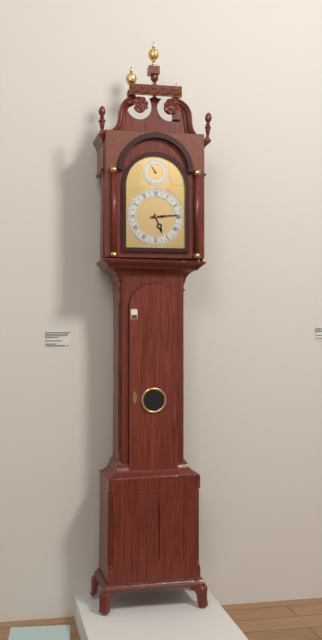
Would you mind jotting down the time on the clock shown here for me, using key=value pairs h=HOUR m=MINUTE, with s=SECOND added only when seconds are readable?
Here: h=5 m=14
